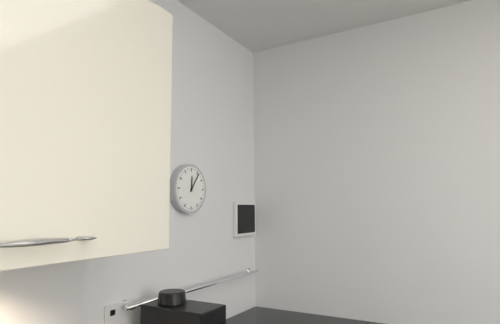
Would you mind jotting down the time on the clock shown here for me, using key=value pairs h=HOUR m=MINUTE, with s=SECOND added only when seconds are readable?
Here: h=12 m=6
